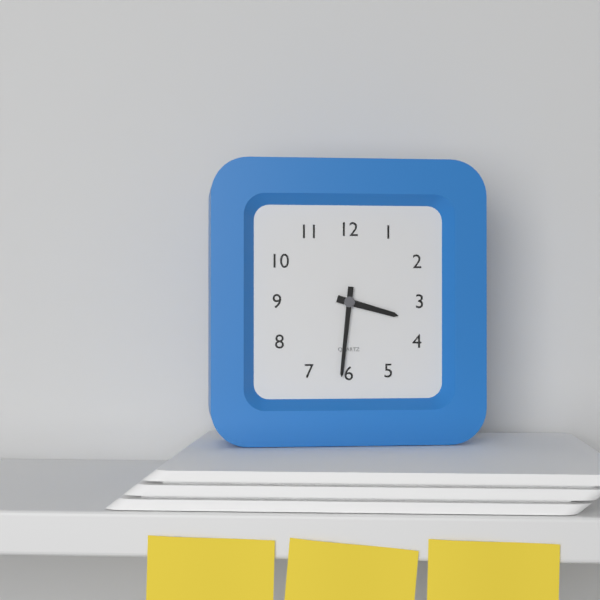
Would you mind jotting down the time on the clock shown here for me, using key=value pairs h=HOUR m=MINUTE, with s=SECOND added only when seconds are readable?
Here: h=3 m=31
